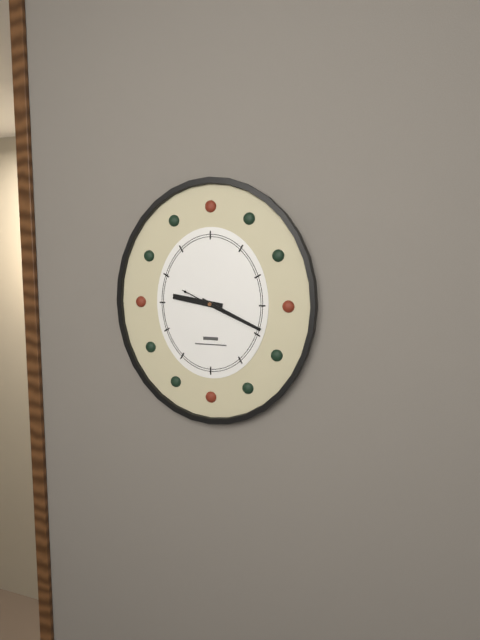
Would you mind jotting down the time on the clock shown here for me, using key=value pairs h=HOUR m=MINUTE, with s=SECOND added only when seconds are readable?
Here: h=9 m=19
